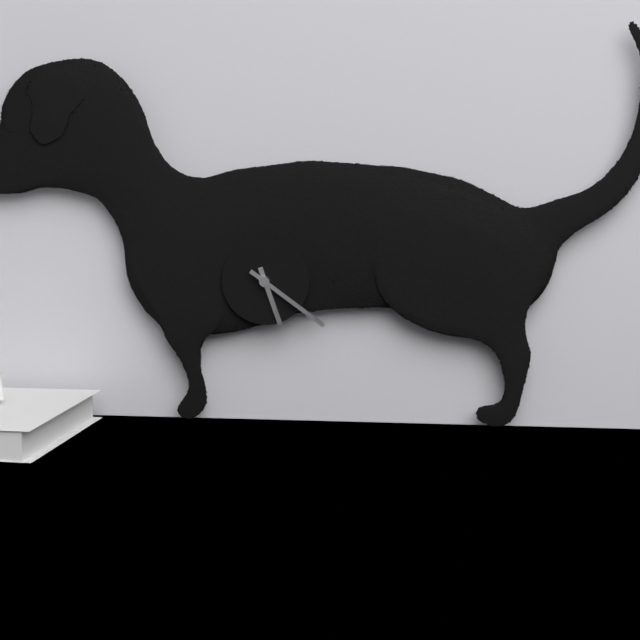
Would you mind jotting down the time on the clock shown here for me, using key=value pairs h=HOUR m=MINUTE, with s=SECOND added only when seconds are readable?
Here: h=5 m=21
